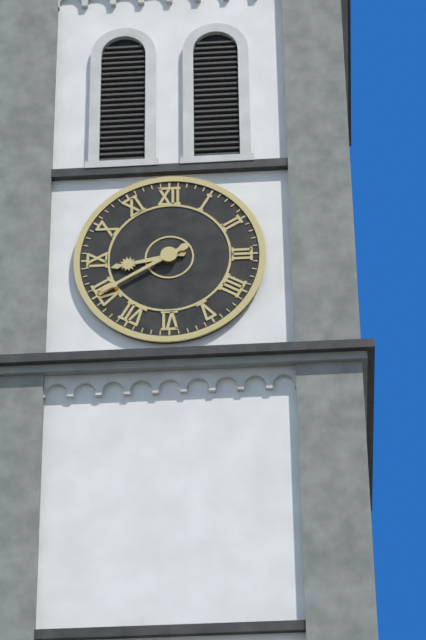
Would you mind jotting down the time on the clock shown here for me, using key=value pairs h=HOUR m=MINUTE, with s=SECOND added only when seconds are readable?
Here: h=8 m=40
